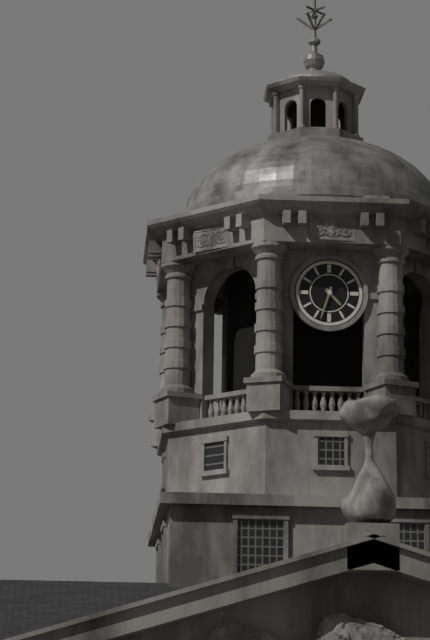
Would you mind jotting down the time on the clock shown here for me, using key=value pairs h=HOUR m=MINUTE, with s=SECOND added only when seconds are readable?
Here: h=4 m=33
